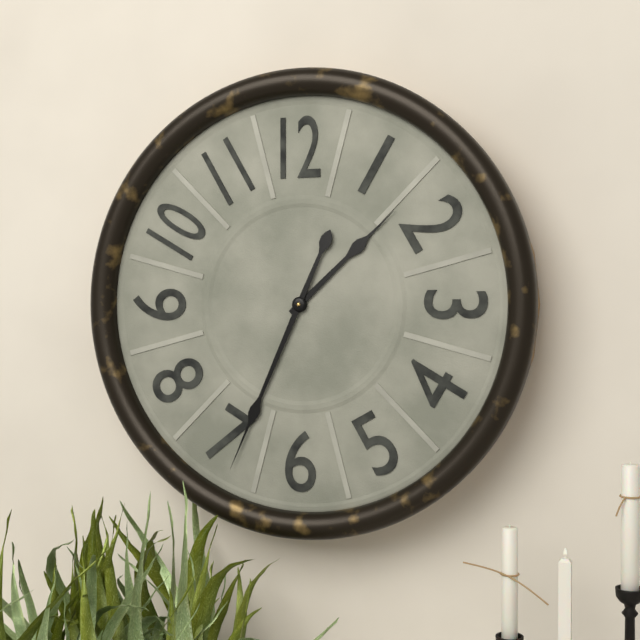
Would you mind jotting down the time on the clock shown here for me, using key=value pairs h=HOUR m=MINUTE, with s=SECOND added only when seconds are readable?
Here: h=1 m=34
